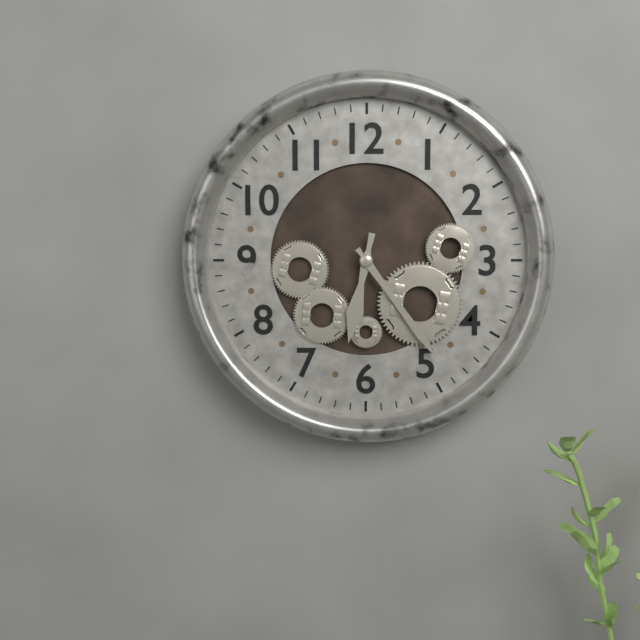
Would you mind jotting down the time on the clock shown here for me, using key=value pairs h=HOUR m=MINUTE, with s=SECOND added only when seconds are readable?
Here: h=6 m=24
